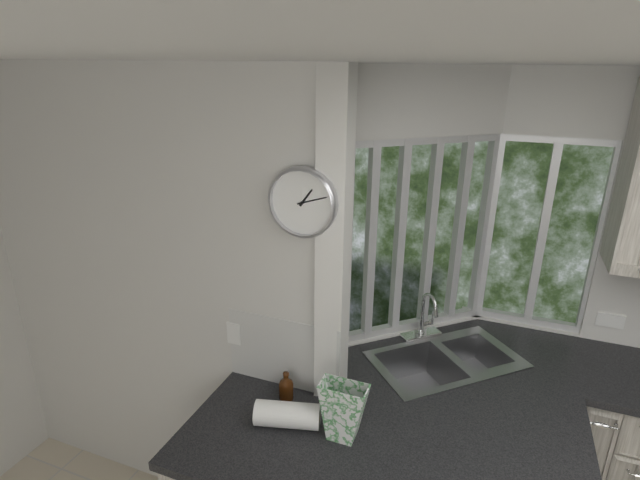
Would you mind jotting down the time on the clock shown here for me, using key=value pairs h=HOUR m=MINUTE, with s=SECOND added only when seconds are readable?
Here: h=1 m=12
